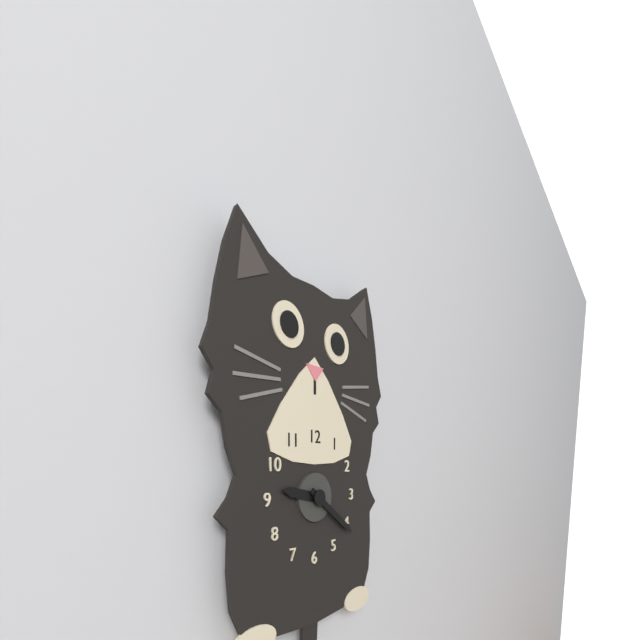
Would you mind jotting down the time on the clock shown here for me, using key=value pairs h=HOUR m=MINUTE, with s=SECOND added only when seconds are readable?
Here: h=9 m=21
